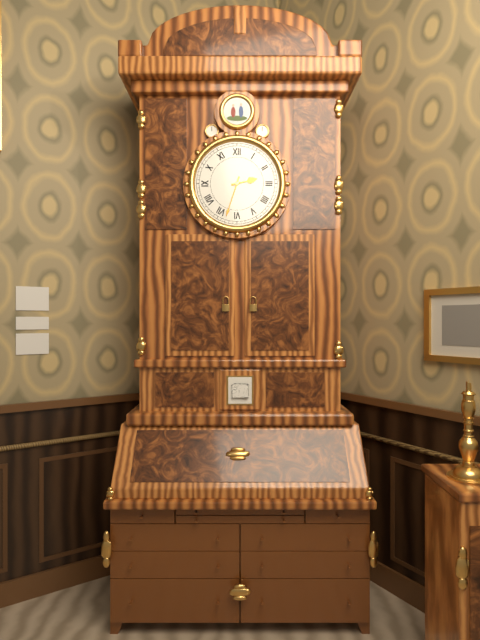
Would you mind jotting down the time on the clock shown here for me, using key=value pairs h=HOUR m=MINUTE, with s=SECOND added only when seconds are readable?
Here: h=2 m=33
